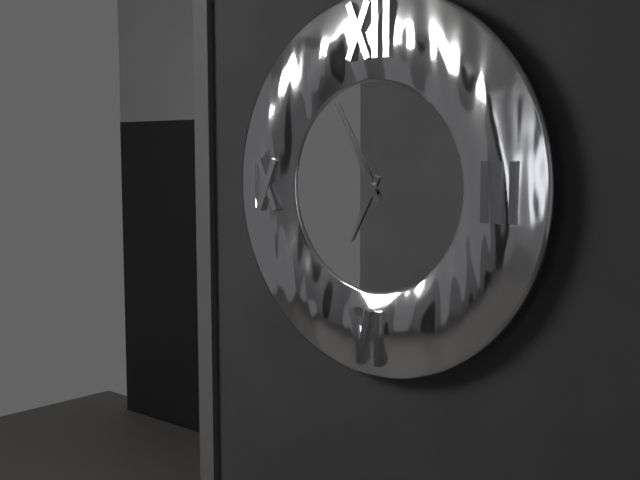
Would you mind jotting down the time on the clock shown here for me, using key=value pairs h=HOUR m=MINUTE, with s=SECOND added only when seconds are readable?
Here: h=6 m=55
